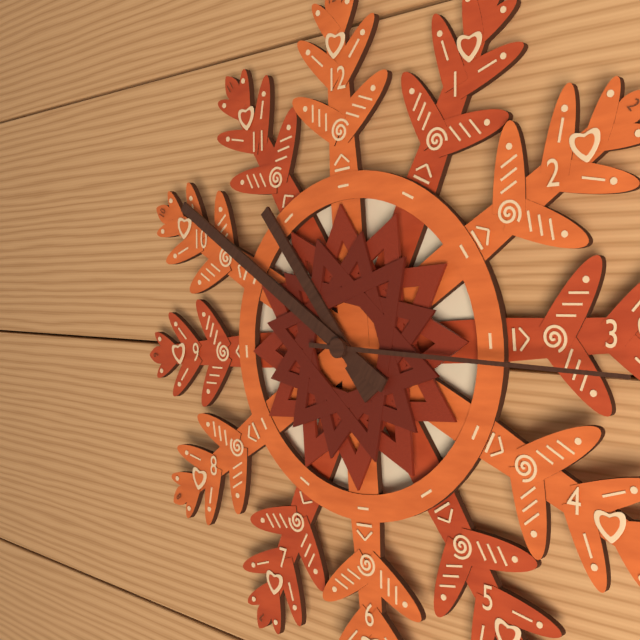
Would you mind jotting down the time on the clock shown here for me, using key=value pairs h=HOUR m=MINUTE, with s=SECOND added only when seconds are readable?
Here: h=10 m=51 s=16
